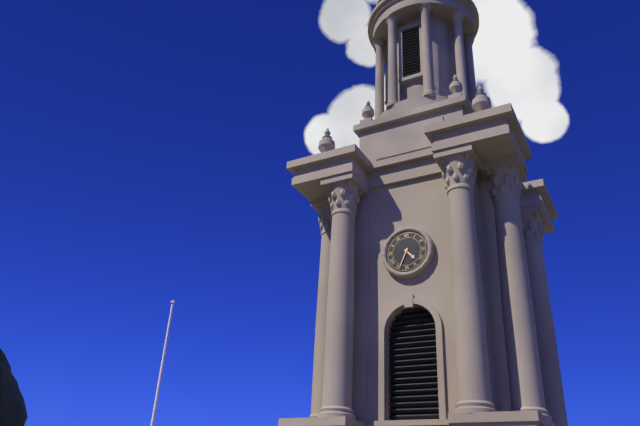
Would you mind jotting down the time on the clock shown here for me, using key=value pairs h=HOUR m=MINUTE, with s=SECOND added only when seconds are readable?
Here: h=4 m=34
